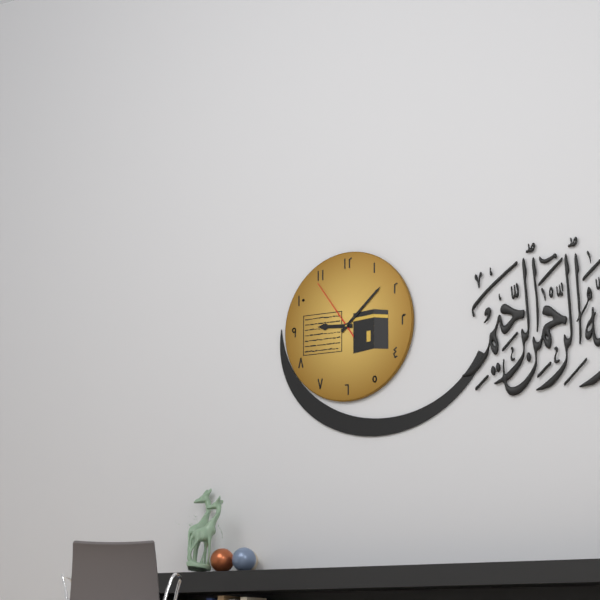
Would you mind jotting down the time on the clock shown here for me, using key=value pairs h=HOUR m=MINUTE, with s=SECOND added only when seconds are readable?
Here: h=9 m=8 s=54
